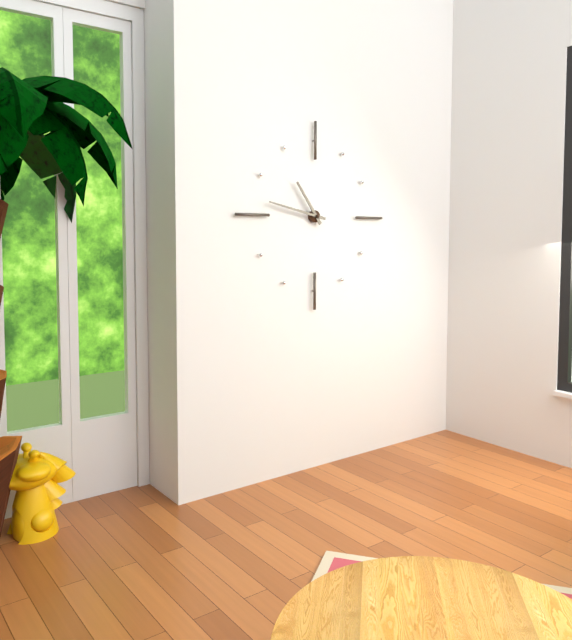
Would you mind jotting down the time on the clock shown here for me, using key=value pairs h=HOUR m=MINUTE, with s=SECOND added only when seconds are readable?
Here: h=10 m=47
